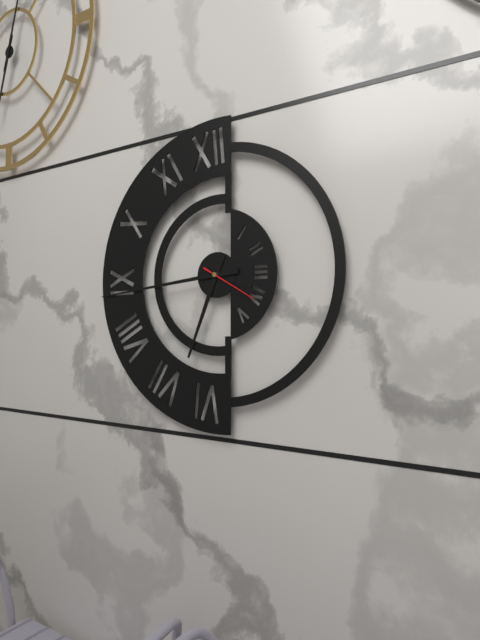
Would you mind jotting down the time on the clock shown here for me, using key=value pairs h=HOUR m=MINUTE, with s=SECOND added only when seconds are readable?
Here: h=6 m=44 s=20
